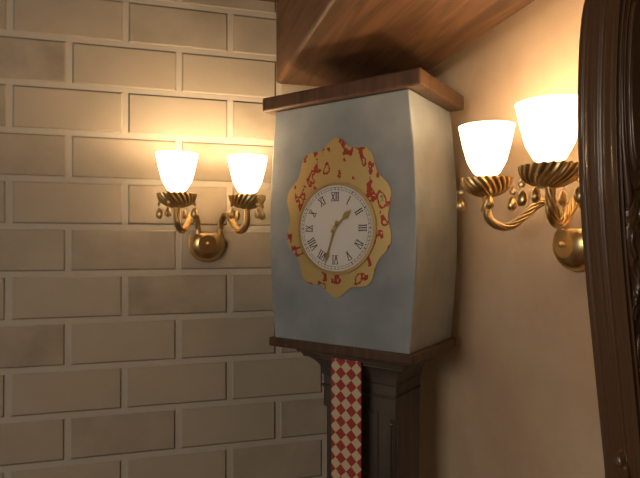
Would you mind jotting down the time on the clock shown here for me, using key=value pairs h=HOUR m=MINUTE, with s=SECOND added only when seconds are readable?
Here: h=1 m=33
